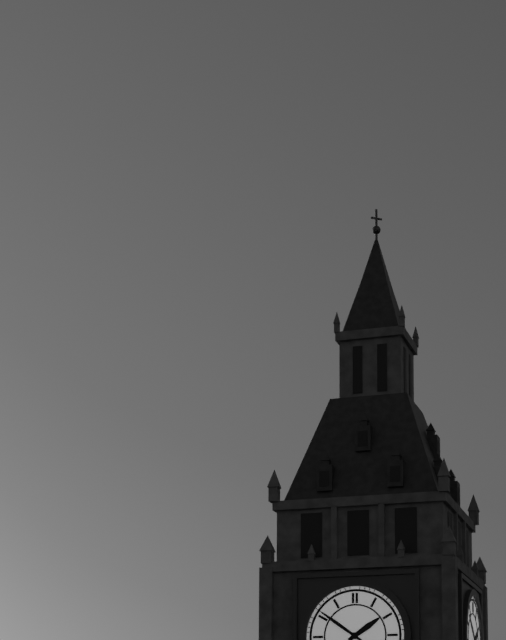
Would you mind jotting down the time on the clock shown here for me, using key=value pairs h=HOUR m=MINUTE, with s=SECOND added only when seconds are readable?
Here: h=1 m=51
